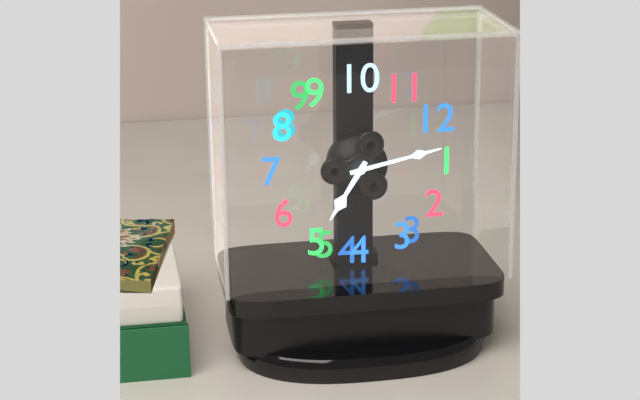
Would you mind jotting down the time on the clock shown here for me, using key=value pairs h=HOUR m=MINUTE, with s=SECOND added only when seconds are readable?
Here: h=5 m=3
